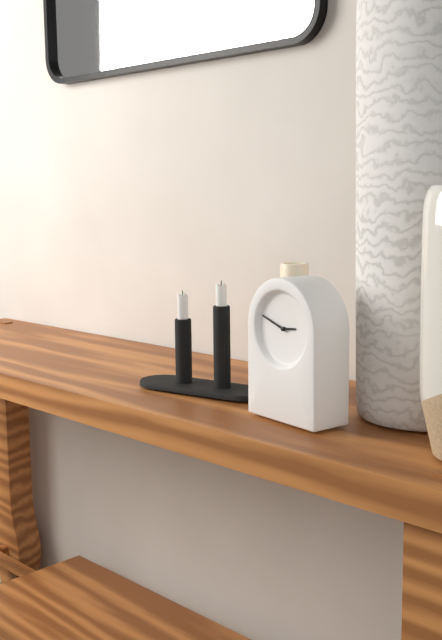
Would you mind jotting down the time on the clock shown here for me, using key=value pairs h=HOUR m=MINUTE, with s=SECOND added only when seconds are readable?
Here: h=2 m=48
